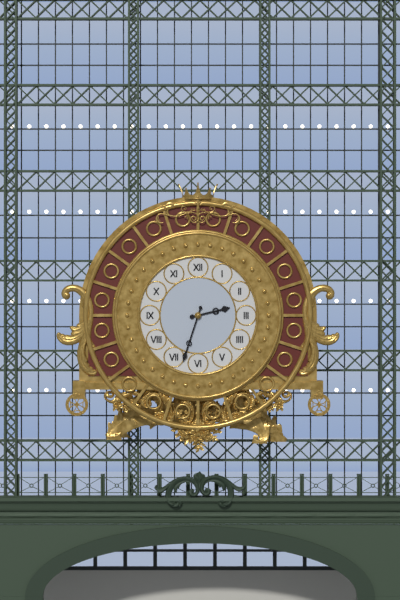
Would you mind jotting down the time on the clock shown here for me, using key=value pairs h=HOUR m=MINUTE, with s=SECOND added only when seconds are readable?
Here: h=2 m=33
